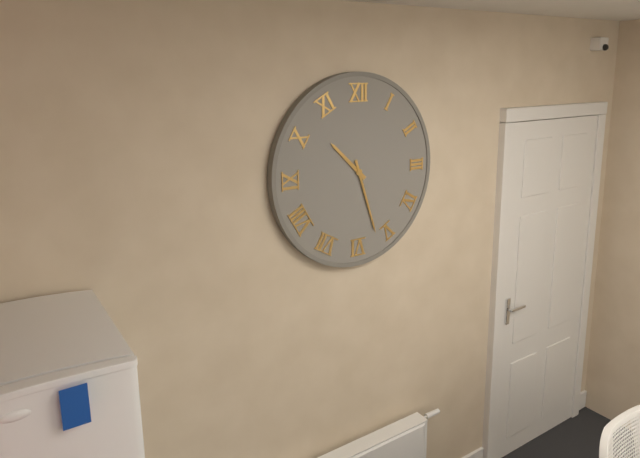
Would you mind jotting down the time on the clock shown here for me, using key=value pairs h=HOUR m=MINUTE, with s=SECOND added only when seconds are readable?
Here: h=10 m=27
